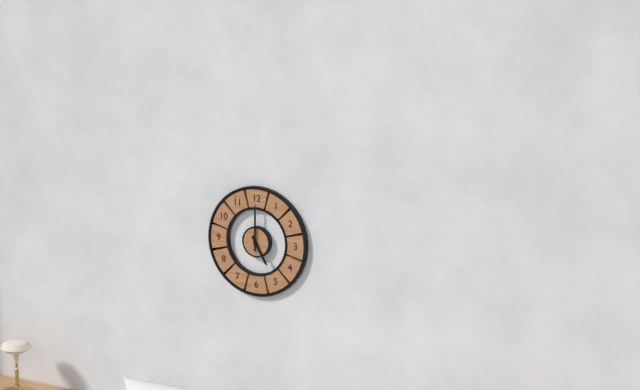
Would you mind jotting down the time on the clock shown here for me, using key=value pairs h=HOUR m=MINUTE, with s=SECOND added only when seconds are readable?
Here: h=5 m=0
